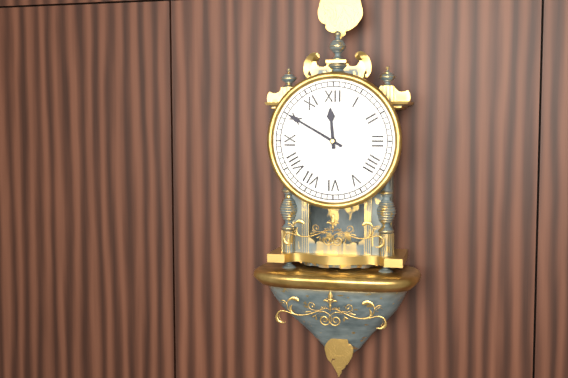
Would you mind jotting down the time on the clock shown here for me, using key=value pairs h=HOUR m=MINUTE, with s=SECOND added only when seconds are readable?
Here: h=11 m=50
